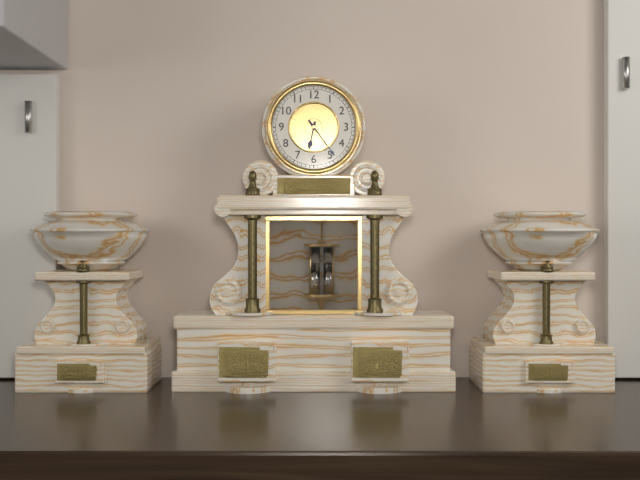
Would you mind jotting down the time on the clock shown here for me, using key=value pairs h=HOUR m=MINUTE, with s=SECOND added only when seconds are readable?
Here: h=6 m=24
